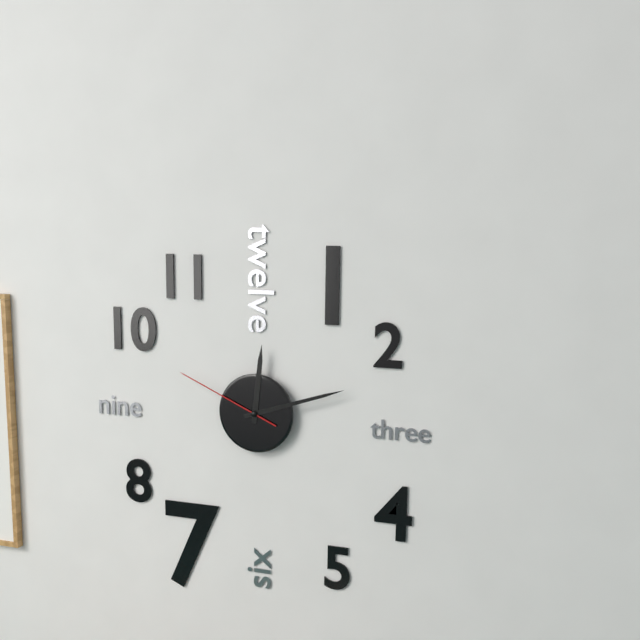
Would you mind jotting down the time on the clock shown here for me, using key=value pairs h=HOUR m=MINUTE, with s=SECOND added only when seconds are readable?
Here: h=12 m=12 s=49
